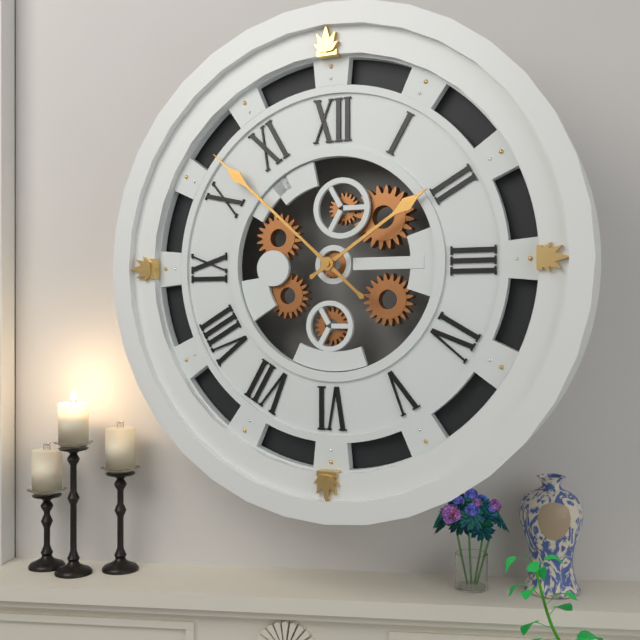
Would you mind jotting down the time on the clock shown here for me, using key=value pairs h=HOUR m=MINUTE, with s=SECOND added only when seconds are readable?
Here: h=1 m=52
